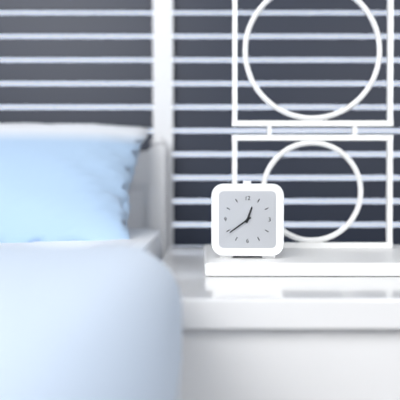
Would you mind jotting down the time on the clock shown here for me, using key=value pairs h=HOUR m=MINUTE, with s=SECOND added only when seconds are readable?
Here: h=12 m=39
